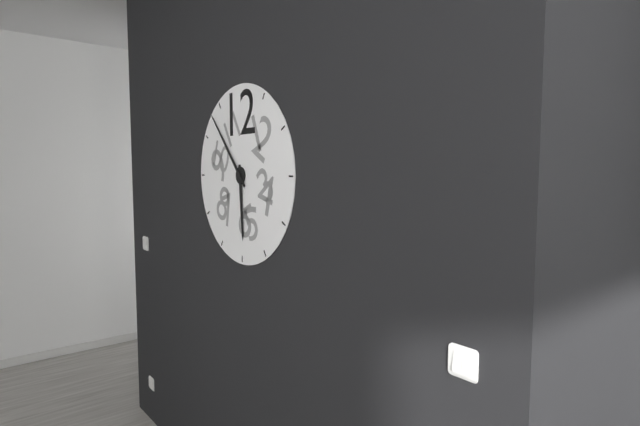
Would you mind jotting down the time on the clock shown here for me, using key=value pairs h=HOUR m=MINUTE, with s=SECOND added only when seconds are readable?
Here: h=5 m=53
